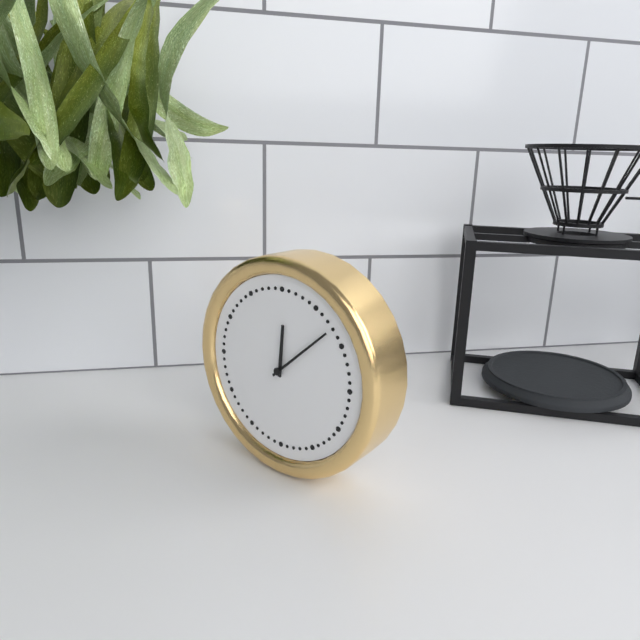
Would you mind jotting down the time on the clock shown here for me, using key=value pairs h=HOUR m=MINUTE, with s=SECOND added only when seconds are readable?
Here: h=12 m=8
